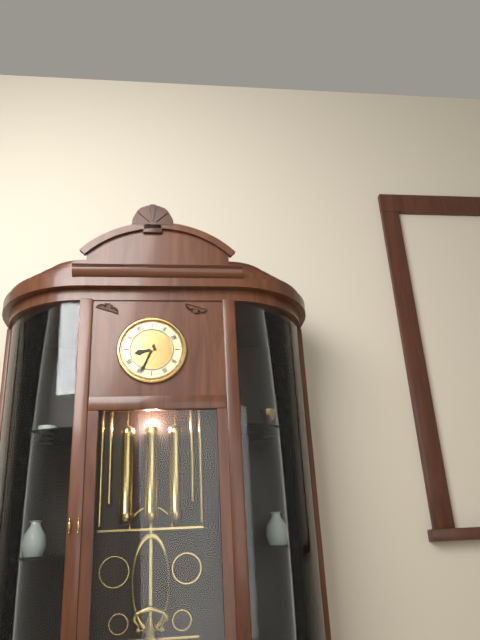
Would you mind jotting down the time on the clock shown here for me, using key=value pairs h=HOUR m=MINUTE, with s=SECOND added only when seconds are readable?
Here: h=8 m=34
